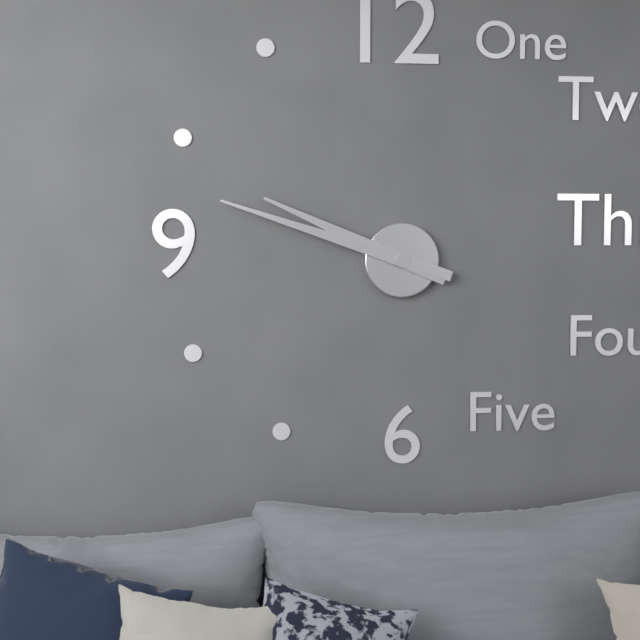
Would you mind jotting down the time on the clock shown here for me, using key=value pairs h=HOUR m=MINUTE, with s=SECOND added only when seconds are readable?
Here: h=9 m=48
